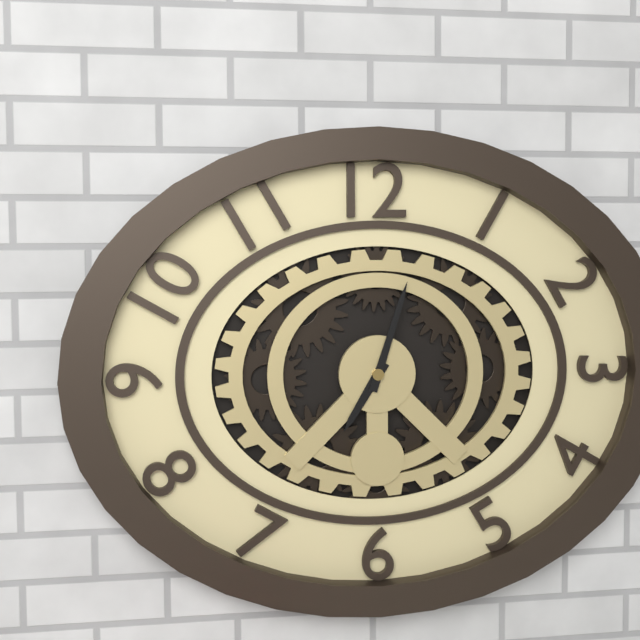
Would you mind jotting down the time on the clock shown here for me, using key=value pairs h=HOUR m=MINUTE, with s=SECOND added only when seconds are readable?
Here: h=7 m=3
